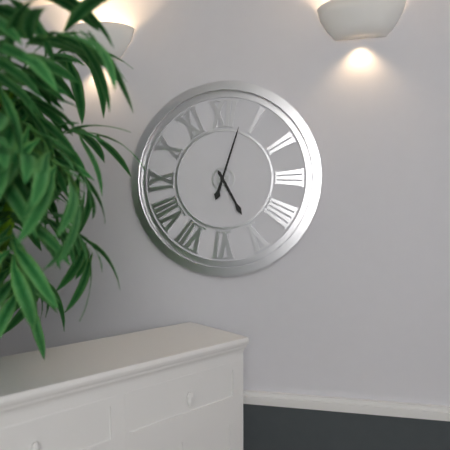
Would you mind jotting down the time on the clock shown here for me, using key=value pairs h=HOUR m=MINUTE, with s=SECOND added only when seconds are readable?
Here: h=5 m=3
